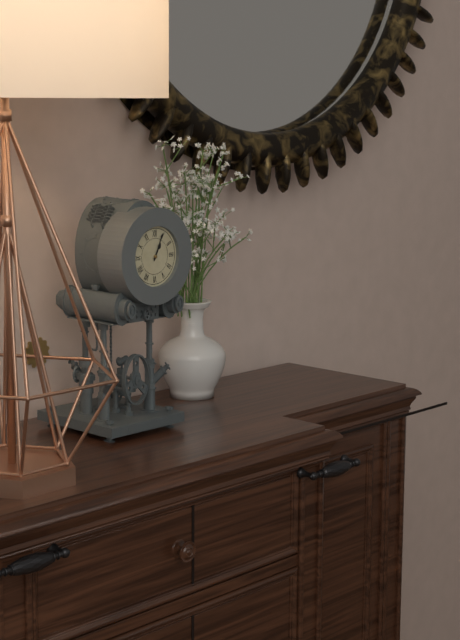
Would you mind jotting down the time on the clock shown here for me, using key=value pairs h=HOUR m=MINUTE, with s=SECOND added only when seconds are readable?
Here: h=1 m=4
